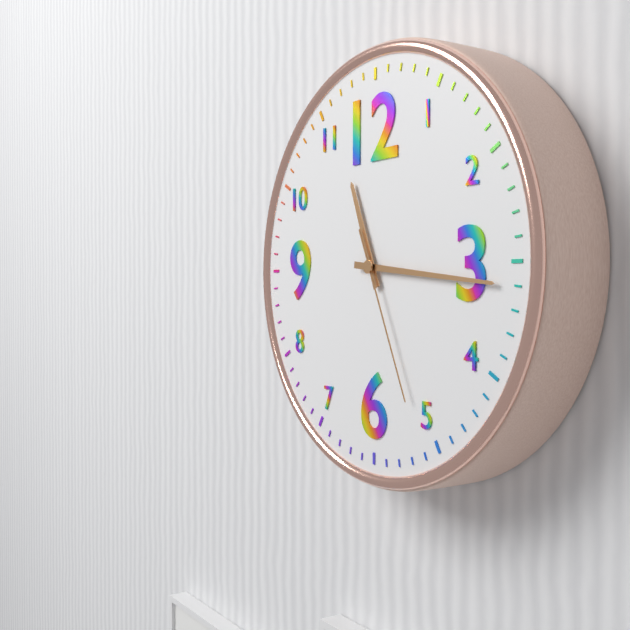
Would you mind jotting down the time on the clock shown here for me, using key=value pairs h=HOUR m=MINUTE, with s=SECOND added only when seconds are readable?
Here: h=11 m=16 s=26
